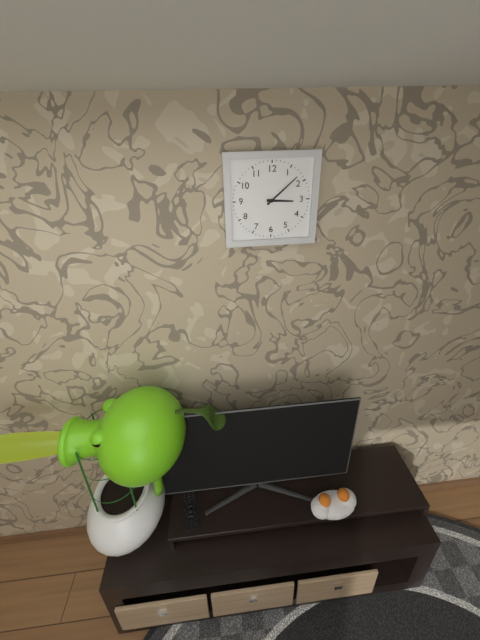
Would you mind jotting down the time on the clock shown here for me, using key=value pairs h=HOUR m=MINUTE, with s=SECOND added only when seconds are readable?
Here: h=3 m=8
